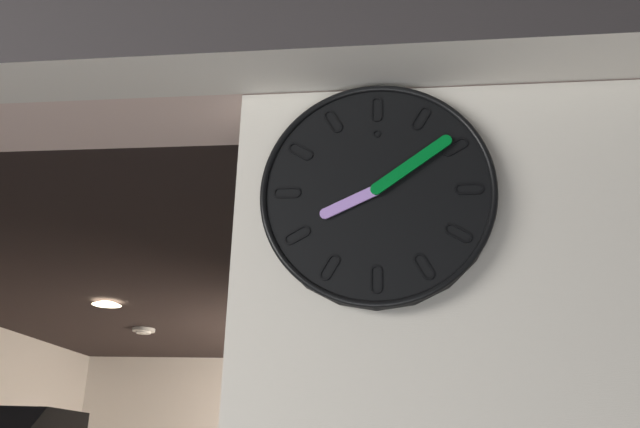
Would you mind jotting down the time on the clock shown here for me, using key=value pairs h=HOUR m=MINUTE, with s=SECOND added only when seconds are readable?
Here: h=8 m=9
